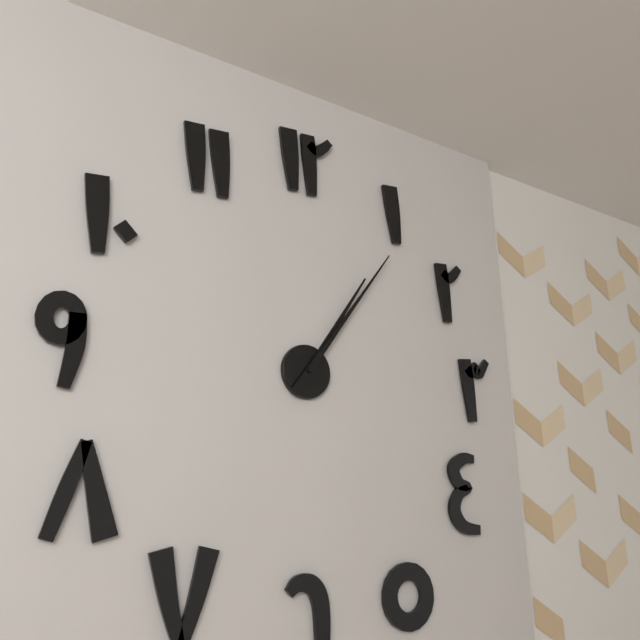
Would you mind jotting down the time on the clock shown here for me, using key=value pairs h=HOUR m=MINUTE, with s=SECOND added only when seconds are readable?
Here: h=1 m=6
